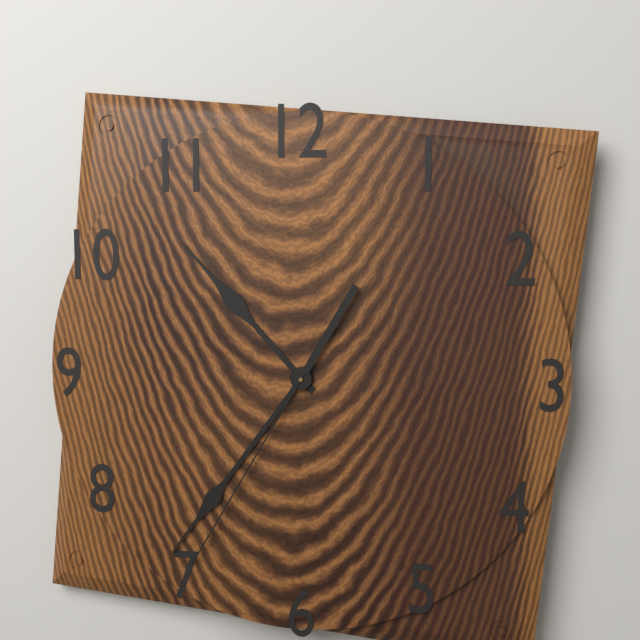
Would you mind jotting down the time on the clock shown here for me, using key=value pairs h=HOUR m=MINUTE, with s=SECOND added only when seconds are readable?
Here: h=10 m=36 s=35
